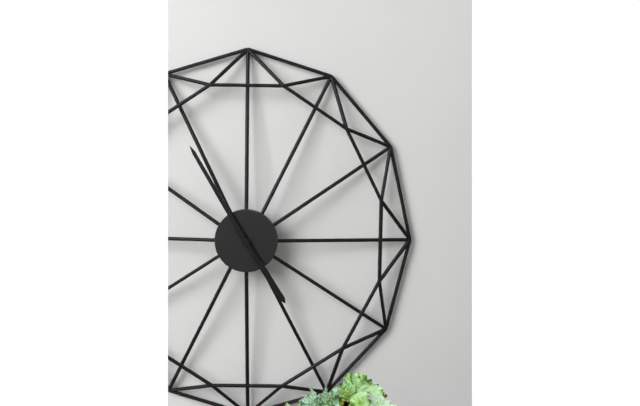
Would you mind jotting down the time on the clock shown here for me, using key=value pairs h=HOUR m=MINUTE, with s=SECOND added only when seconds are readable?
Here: h=4 m=55
